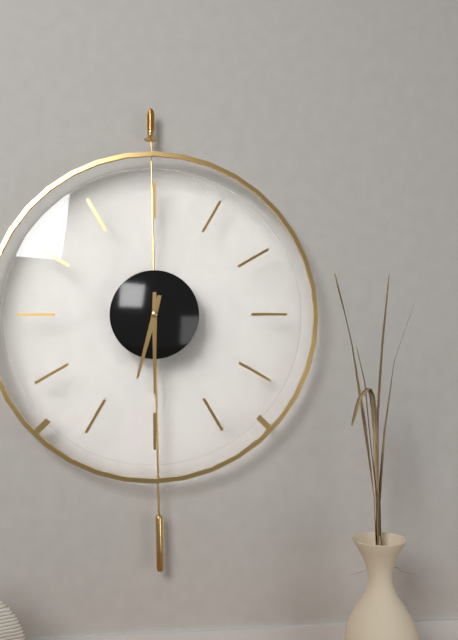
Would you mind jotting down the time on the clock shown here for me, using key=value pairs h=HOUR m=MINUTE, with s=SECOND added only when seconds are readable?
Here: h=6 m=30
